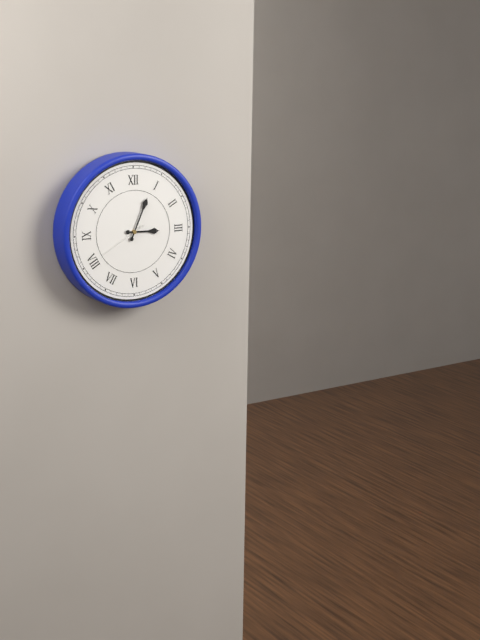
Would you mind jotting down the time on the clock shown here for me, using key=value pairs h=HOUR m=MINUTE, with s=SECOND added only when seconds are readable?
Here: h=3 m=4
